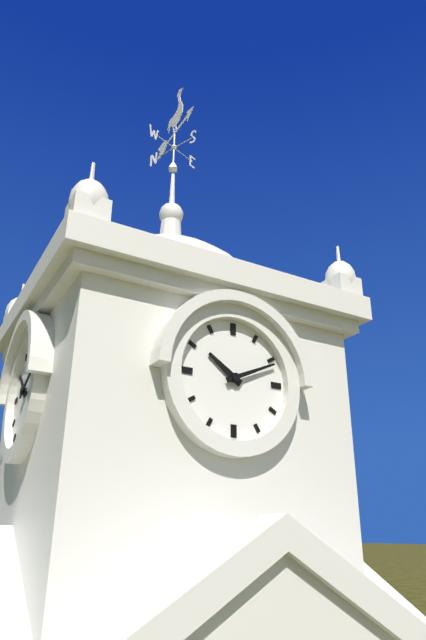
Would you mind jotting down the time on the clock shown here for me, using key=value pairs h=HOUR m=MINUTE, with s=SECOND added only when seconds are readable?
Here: h=10 m=11
